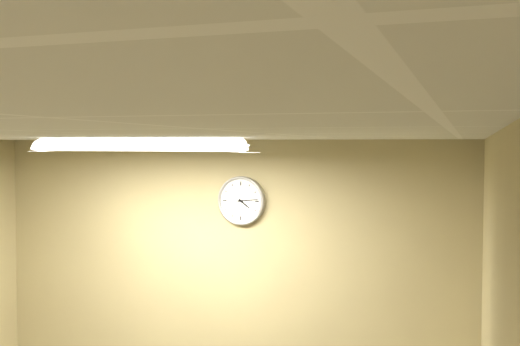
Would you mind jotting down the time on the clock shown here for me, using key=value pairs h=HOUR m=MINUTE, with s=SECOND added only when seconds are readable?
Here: h=4 m=14
